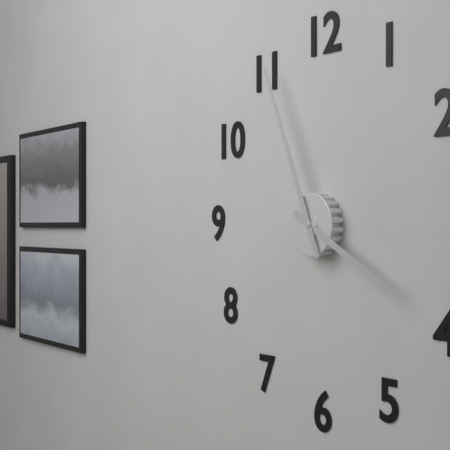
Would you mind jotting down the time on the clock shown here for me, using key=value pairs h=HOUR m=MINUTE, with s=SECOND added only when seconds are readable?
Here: h=3 m=56
